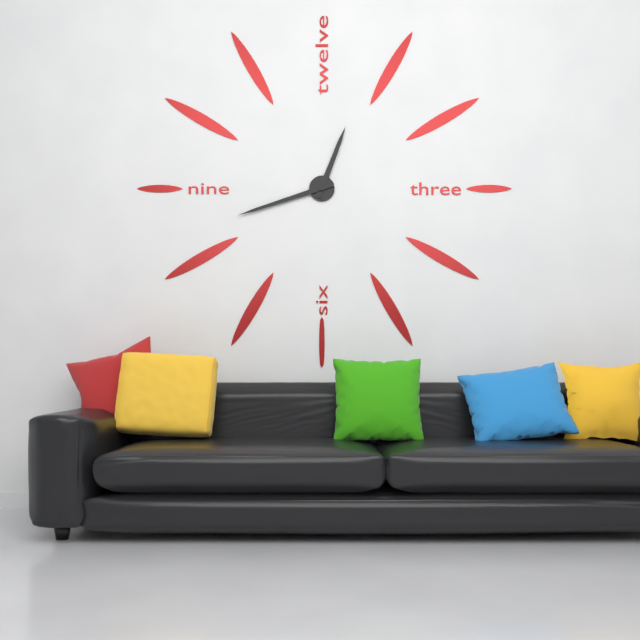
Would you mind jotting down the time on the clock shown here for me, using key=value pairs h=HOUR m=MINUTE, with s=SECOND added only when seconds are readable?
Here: h=12 m=42
